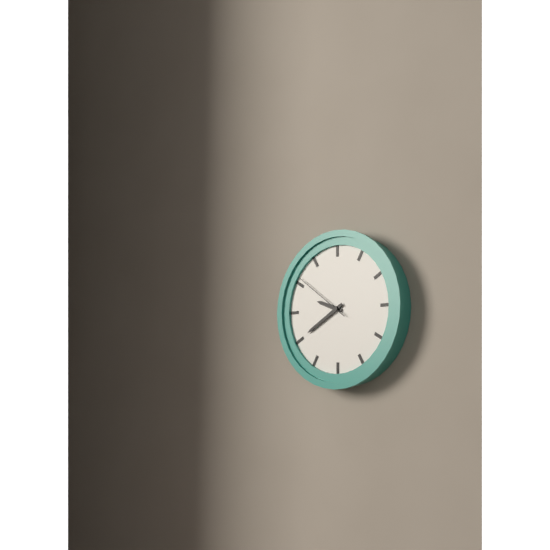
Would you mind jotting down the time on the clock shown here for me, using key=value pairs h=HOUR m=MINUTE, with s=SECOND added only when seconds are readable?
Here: h=9 m=40 s=51
